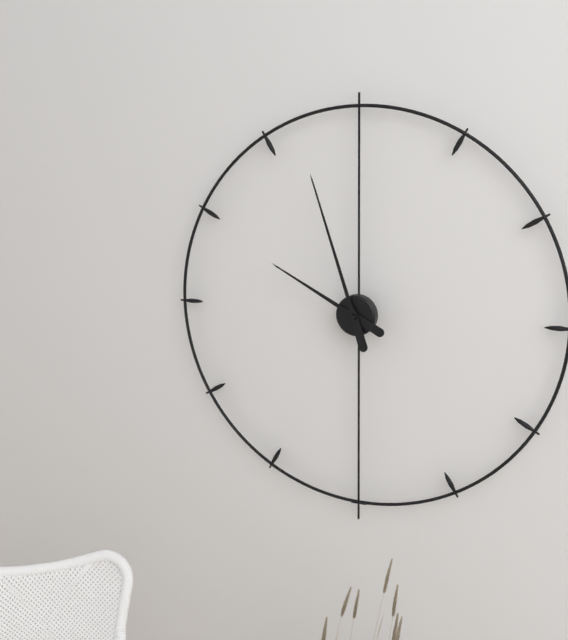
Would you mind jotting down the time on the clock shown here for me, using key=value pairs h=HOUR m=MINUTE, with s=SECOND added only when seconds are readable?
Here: h=9 m=57
